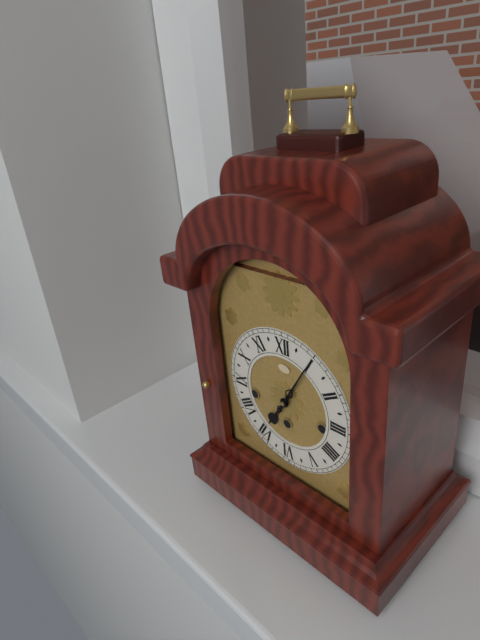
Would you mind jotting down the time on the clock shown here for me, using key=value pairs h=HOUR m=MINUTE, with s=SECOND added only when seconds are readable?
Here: h=7 m=5
